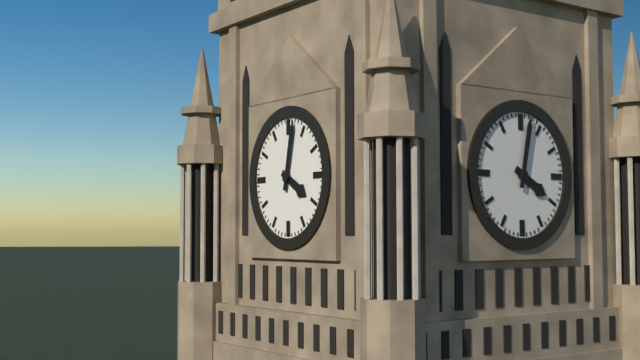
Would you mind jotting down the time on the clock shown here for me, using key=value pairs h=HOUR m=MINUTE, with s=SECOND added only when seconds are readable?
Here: h=4 m=2
